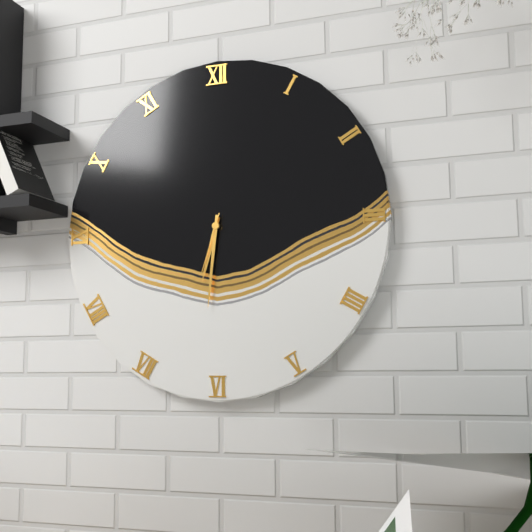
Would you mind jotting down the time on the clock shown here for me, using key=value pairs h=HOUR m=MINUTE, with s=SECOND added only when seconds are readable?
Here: h=6 m=31 s=33
